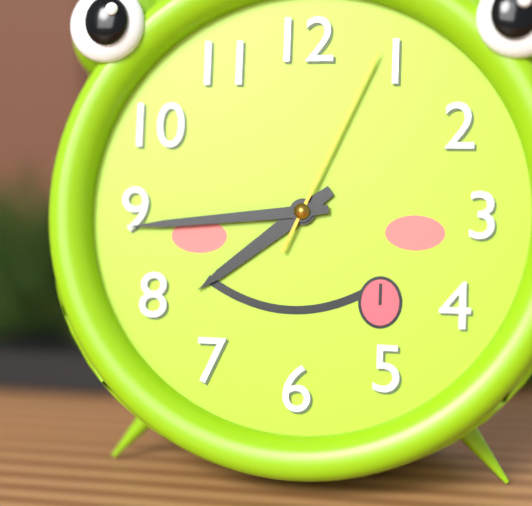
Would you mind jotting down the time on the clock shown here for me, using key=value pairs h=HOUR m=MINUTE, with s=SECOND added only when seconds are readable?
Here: h=7 m=44 s=4
